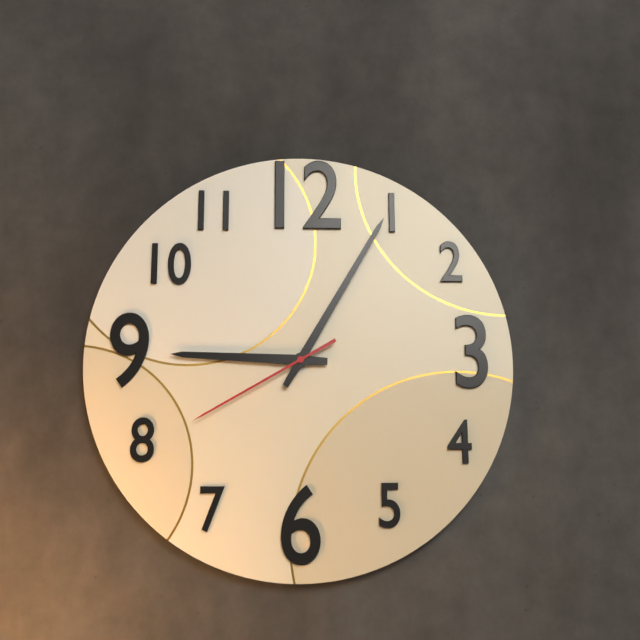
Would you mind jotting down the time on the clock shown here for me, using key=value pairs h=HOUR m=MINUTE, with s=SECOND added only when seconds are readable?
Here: h=9 m=5 s=40
